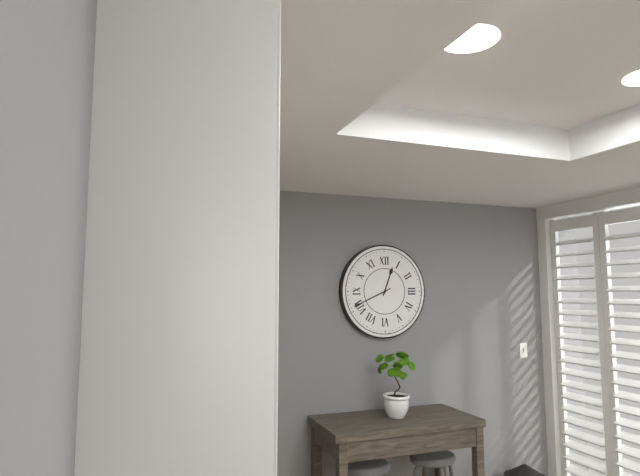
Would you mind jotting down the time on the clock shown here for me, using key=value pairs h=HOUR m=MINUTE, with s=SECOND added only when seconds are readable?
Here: h=12 m=41
